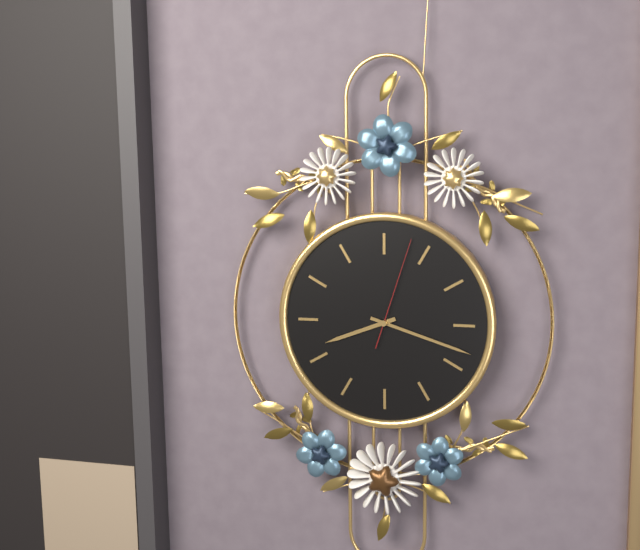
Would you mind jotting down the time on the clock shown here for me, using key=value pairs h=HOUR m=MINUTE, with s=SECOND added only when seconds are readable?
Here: h=8 m=18 s=3
